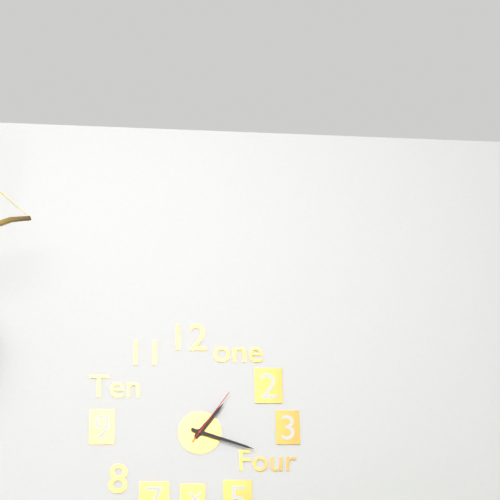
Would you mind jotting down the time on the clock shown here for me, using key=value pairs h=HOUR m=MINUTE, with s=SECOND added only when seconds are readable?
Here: h=1 m=18 s=6
